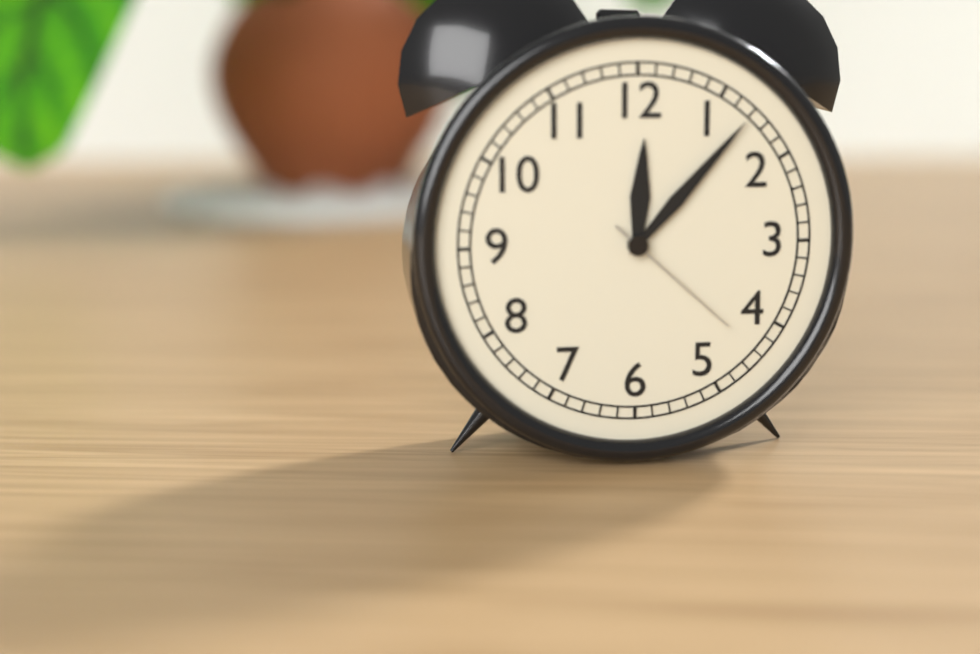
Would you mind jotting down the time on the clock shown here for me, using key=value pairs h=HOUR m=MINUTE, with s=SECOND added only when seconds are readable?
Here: h=12 m=7 s=22
